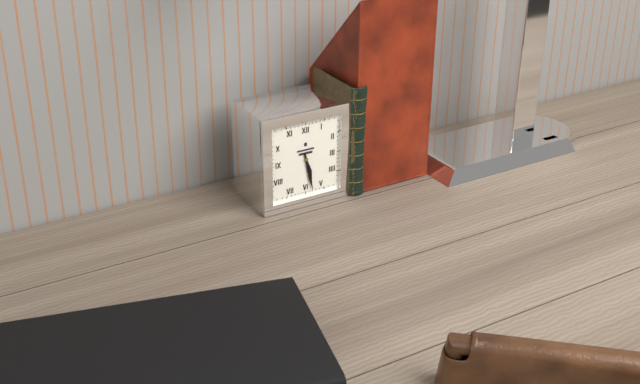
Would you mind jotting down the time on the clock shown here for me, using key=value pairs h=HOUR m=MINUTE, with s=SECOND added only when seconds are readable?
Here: h=5 m=28
